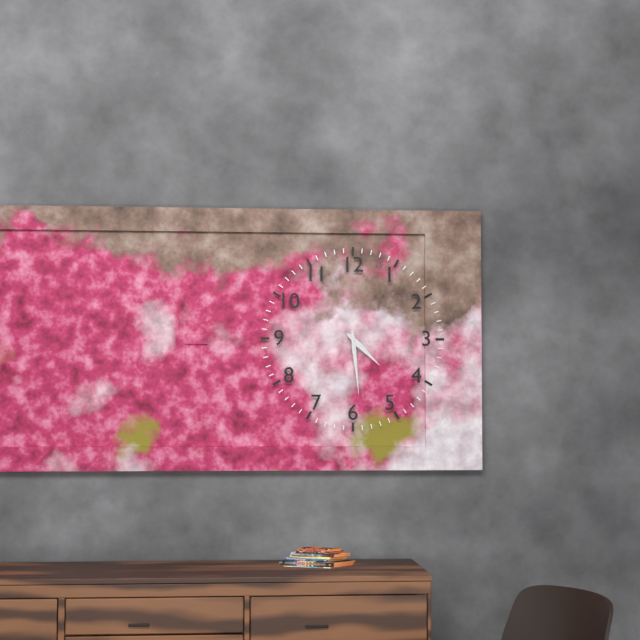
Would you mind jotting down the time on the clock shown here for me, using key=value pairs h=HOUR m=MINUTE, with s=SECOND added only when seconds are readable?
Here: h=4 m=29 s=29
